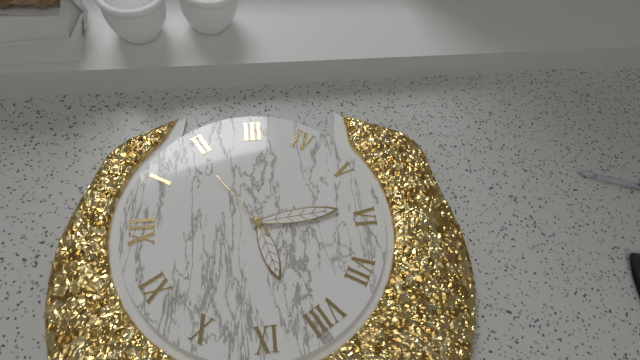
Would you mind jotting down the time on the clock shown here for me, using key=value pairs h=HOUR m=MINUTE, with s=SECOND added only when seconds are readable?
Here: h=8 m=29 s=9
